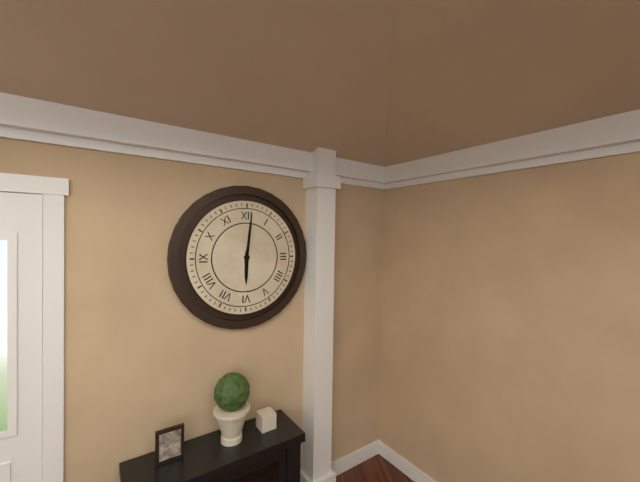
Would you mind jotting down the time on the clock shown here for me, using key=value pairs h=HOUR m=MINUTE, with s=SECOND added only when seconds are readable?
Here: h=6 m=1
